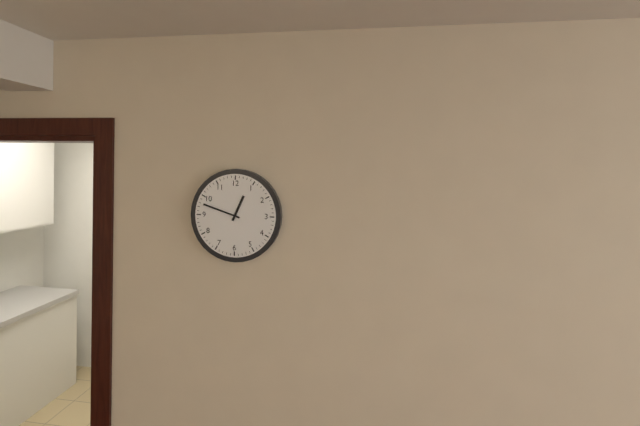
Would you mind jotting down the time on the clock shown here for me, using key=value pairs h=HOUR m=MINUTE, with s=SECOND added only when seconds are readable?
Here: h=12 m=48
